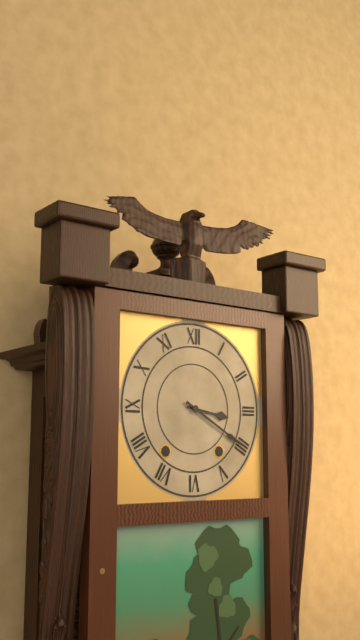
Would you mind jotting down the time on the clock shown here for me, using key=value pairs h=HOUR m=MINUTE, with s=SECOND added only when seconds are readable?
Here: h=3 m=20
